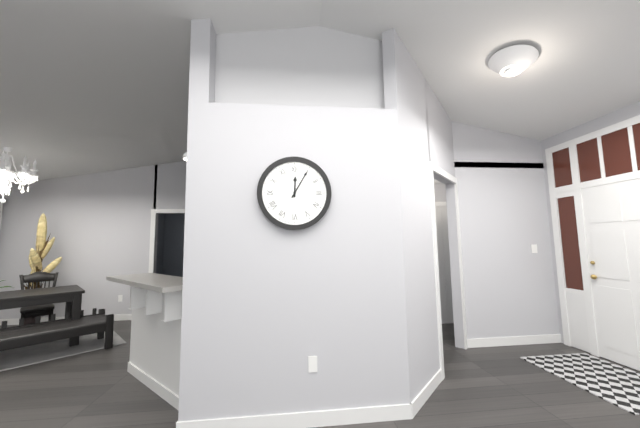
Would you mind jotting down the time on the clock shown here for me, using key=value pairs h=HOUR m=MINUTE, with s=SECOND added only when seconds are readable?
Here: h=12 m=5
